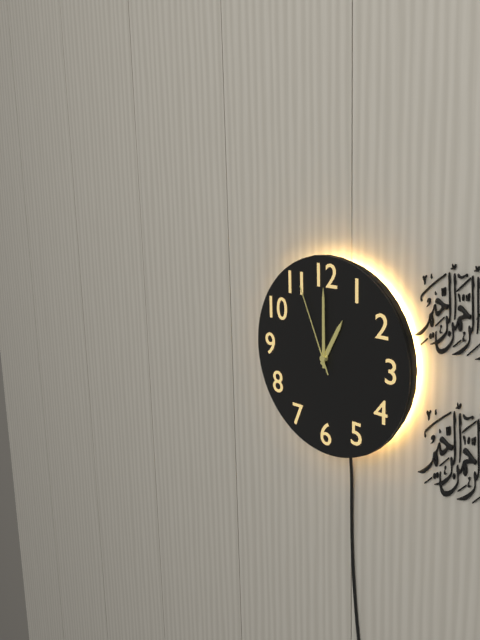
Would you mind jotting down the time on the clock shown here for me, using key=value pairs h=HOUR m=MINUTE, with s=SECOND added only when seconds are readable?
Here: h=1 m=0 s=56
